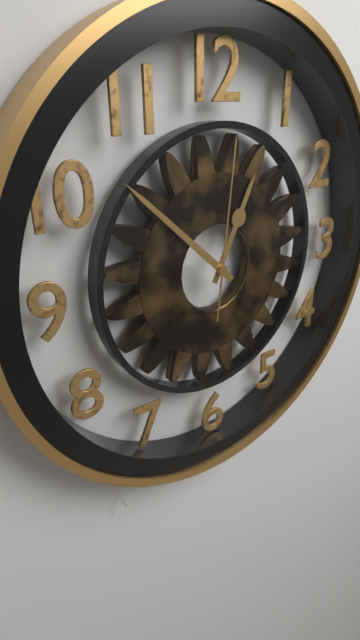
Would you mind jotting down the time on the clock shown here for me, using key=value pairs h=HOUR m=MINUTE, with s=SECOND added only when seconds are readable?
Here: h=12 m=52 s=1
